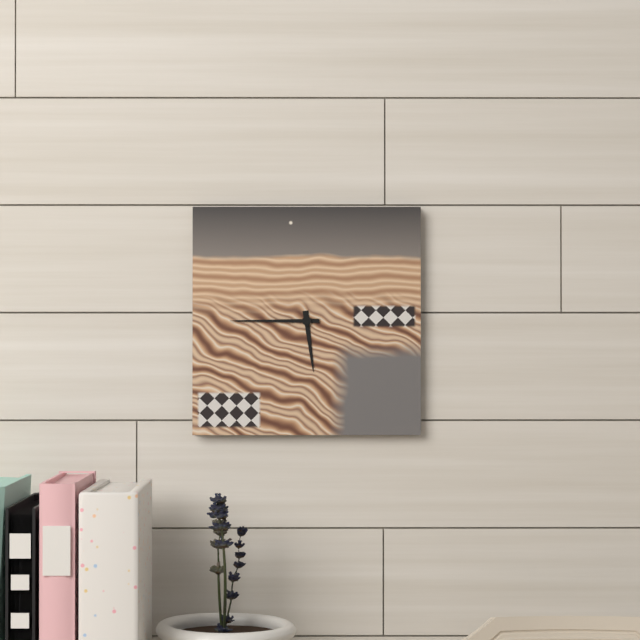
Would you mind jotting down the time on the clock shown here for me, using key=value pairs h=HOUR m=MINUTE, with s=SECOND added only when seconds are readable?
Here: h=5 m=45
